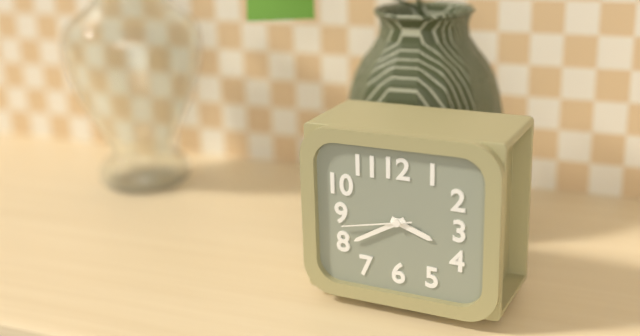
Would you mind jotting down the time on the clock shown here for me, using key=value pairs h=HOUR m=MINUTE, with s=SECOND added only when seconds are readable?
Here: h=3 m=40 s=43
